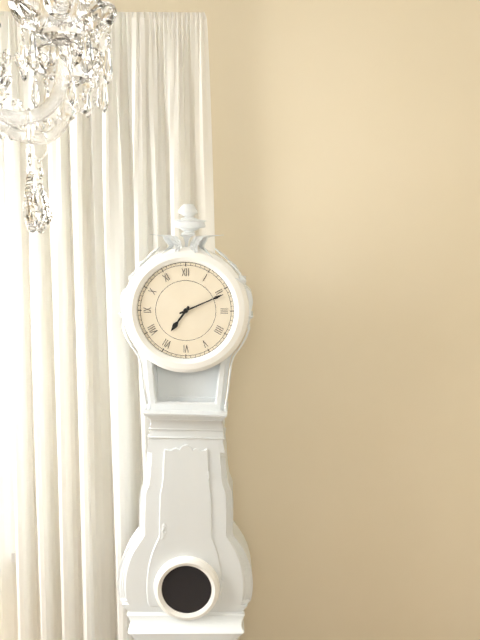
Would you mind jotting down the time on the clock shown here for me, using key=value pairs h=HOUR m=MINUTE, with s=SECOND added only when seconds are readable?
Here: h=7 m=11
